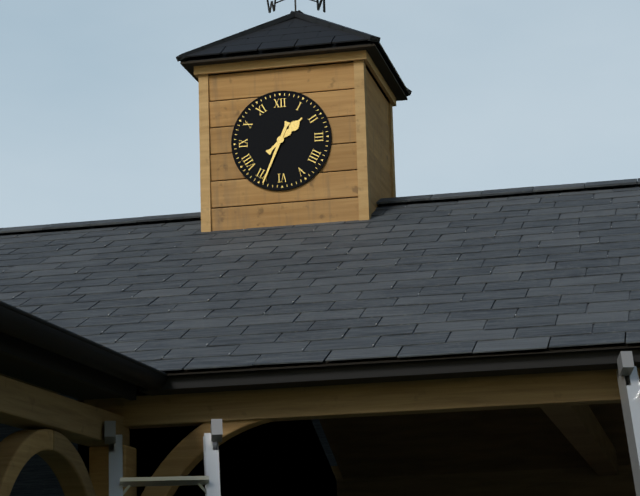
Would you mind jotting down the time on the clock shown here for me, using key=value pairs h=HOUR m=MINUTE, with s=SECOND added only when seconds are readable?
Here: h=1 m=34
